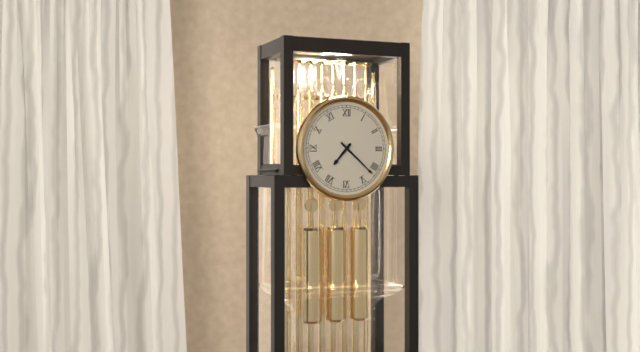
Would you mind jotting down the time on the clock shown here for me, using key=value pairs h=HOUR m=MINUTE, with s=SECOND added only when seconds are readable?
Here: h=7 m=22
